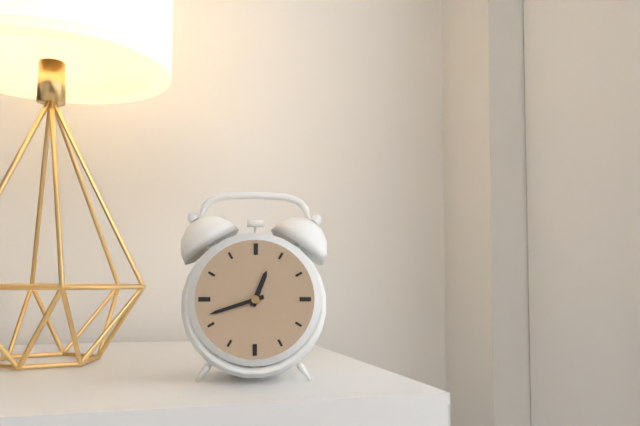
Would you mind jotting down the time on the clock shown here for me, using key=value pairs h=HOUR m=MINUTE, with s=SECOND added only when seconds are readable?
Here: h=12 m=42
